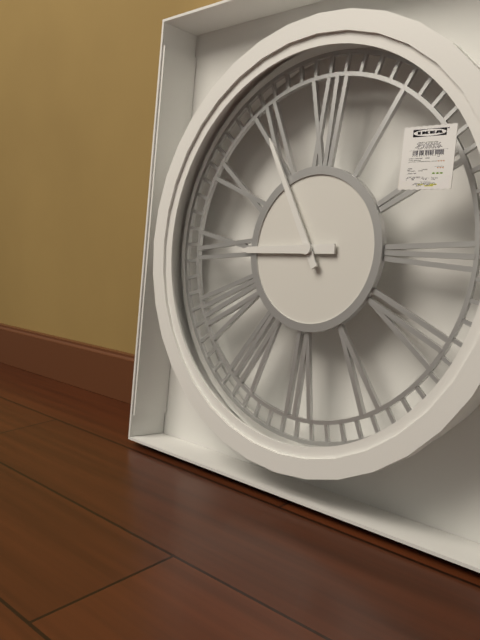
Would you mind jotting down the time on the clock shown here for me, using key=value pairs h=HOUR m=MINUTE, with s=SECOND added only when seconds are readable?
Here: h=8 m=55
